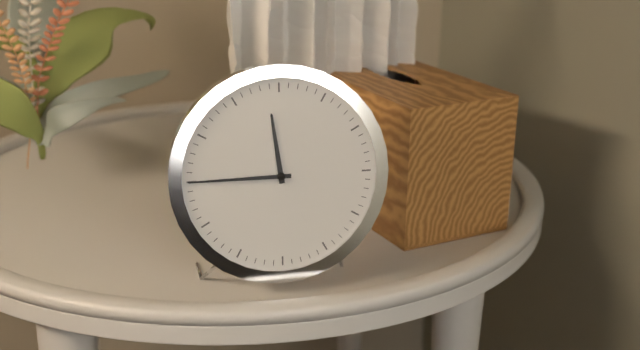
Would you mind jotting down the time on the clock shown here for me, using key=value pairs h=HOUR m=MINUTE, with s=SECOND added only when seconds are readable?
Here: h=11 m=45
